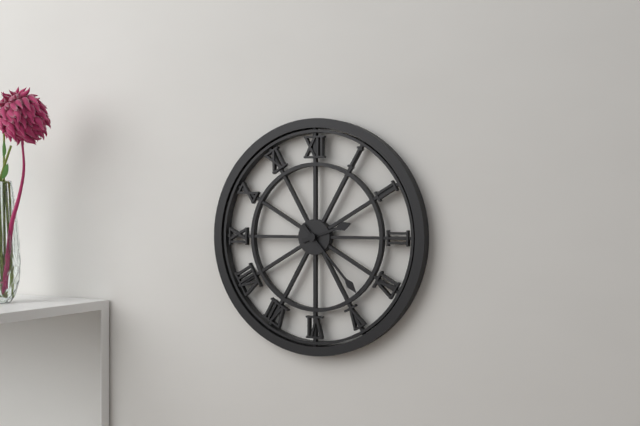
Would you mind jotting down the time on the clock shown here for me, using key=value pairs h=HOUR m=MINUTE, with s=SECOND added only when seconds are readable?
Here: h=2 m=23
